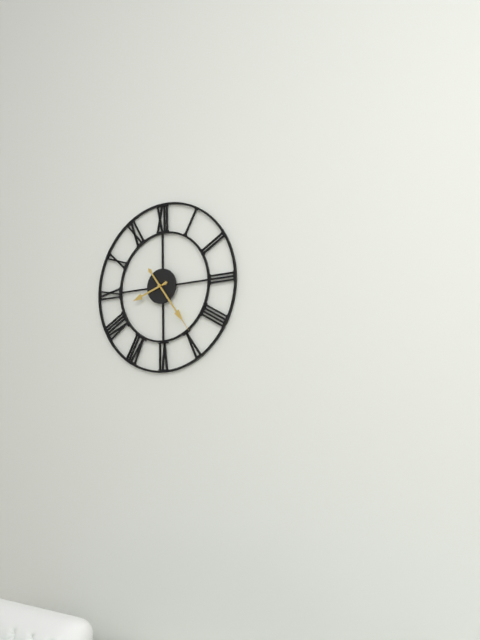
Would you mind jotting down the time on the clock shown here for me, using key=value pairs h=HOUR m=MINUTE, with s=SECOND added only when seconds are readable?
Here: h=8 m=24
